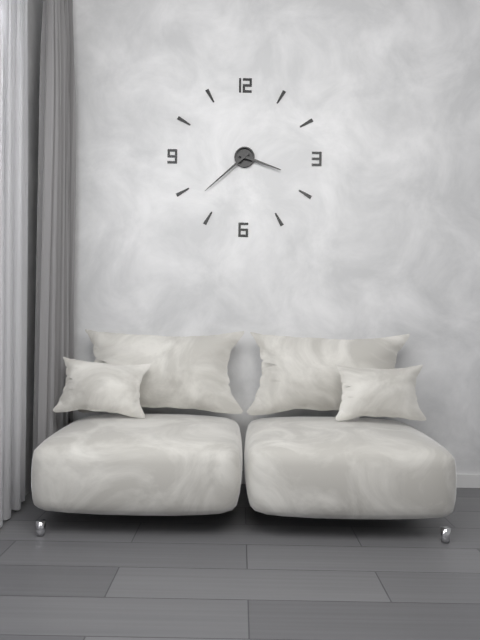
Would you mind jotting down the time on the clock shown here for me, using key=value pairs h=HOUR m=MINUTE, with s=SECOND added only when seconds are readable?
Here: h=3 m=38
